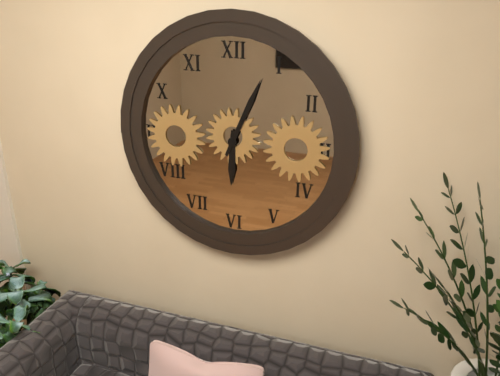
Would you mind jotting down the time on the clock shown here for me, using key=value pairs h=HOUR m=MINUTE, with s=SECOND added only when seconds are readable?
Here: h=6 m=4
